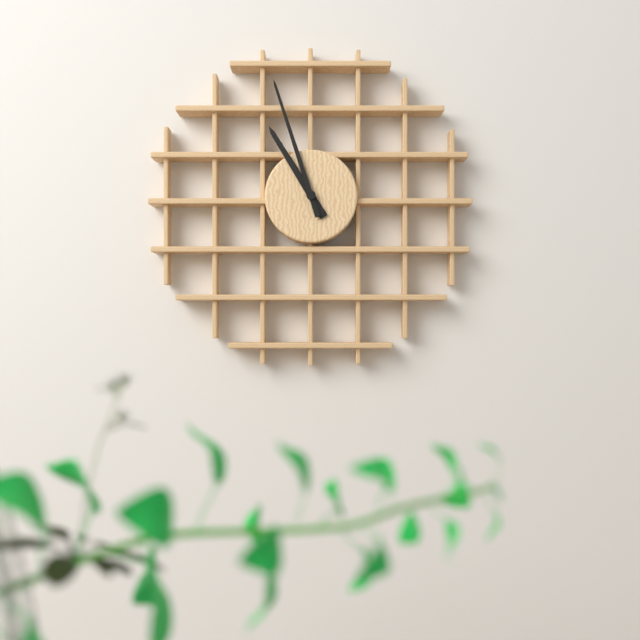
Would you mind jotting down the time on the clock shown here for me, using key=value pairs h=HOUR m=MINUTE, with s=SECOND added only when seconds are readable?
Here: h=10 m=57
